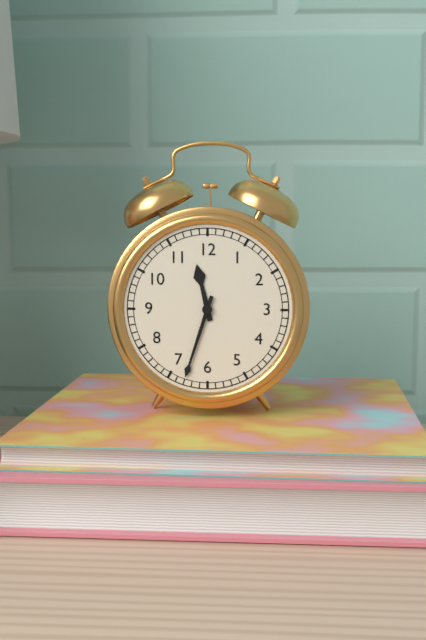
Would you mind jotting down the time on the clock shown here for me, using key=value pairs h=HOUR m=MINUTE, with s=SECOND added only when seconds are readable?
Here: h=11 m=33
